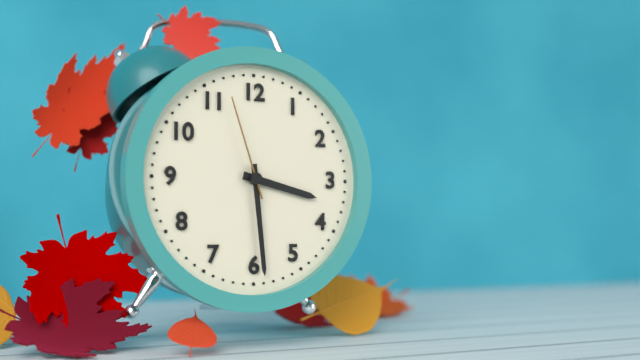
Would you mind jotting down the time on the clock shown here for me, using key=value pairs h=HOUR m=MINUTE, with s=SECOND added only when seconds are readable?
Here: h=3 m=29 s=57
